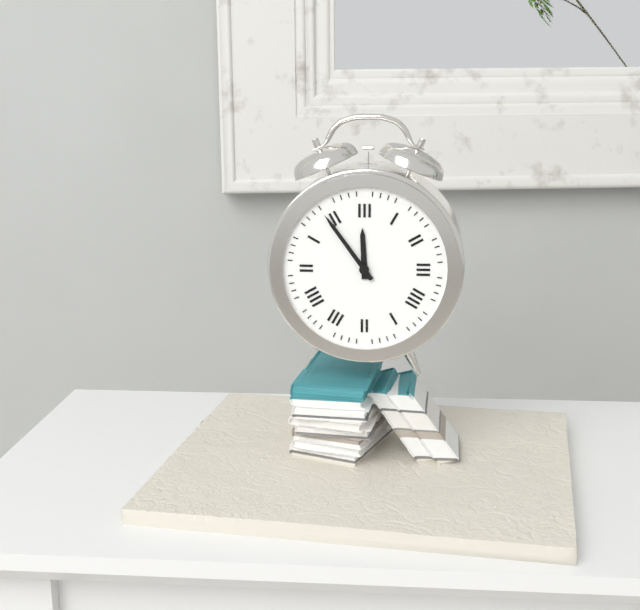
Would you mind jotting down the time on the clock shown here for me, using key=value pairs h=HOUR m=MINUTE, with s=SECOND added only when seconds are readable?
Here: h=11 m=54
